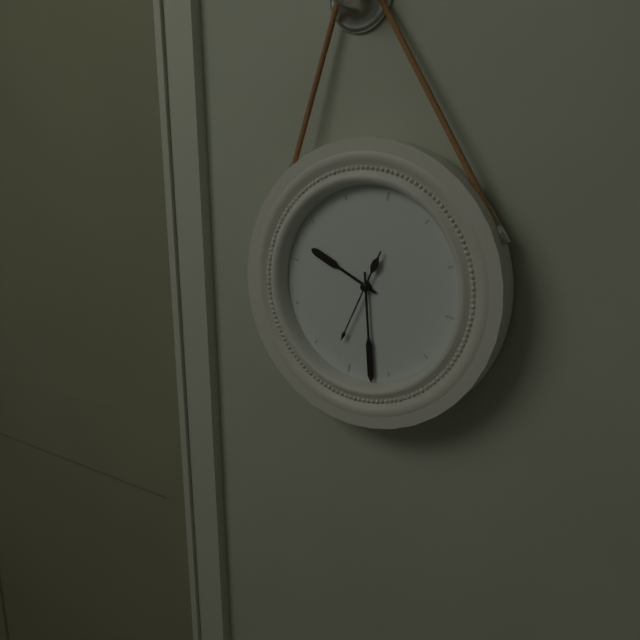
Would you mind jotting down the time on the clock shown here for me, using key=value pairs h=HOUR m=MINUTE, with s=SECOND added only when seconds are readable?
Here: h=9 m=27 s=32
